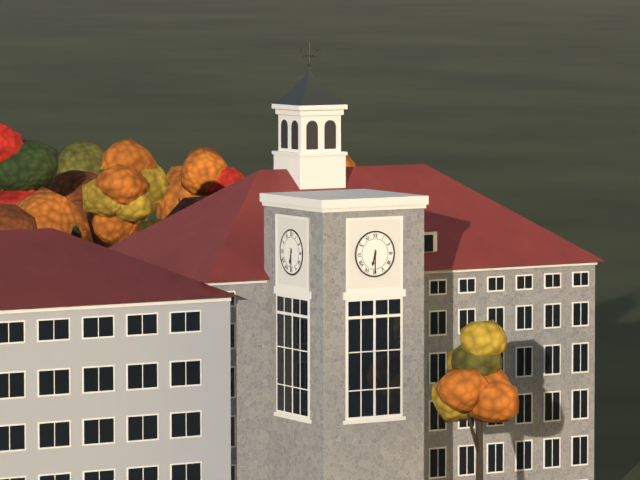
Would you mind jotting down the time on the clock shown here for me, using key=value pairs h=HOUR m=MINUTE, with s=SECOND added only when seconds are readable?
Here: h=6 m=30
